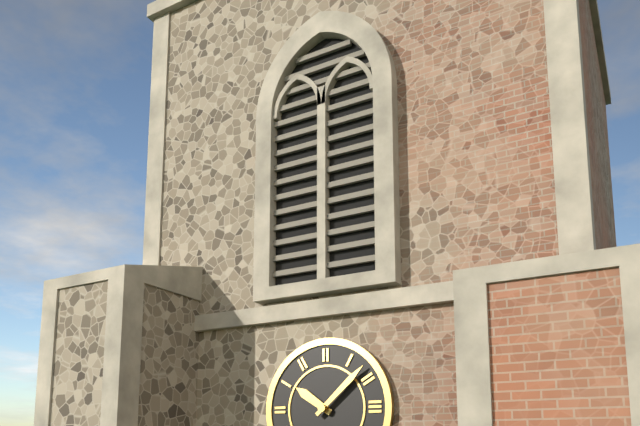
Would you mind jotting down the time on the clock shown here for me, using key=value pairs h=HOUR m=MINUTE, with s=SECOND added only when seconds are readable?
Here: h=10 m=8
